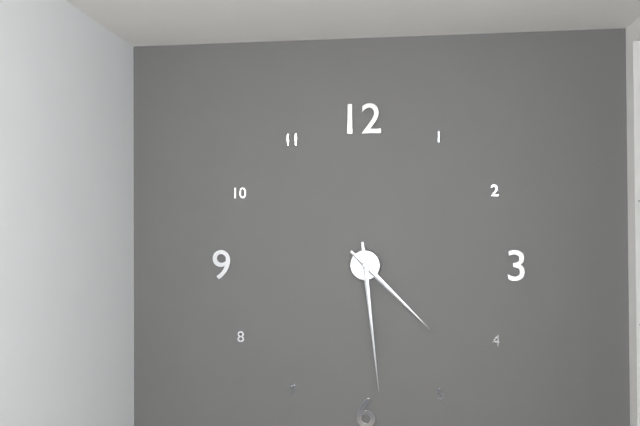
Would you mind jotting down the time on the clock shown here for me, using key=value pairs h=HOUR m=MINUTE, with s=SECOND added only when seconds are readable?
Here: h=4 m=29
